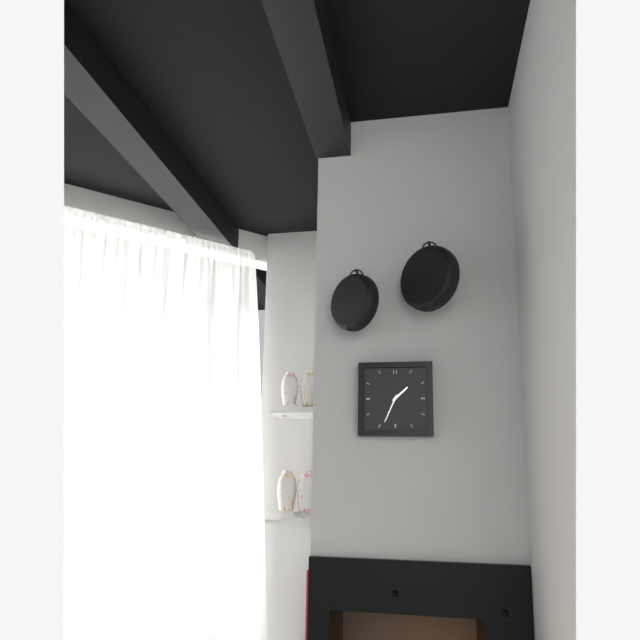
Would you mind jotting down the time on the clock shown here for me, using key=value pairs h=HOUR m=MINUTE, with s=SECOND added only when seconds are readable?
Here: h=1 m=34
